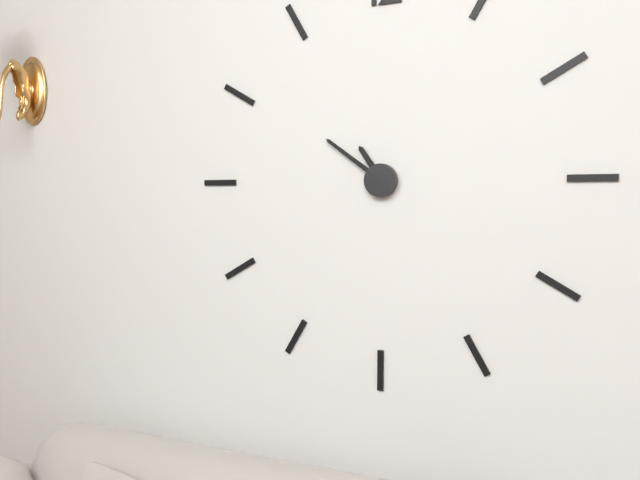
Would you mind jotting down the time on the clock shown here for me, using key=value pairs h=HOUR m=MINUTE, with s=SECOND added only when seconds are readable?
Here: h=10 m=51
